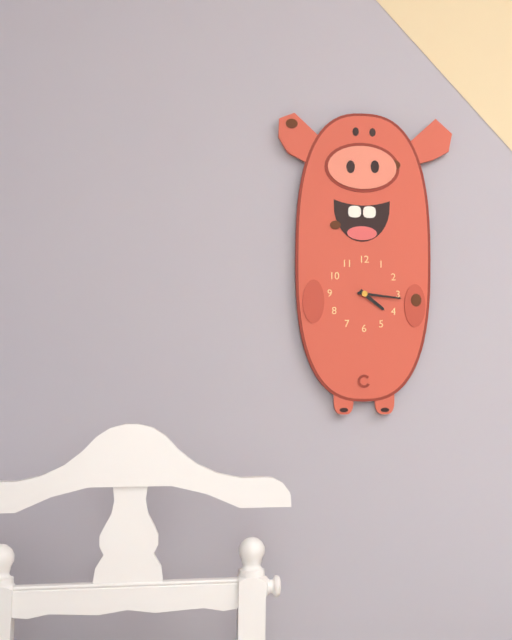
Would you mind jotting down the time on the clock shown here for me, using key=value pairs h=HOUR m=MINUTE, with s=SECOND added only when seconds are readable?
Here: h=4 m=16
